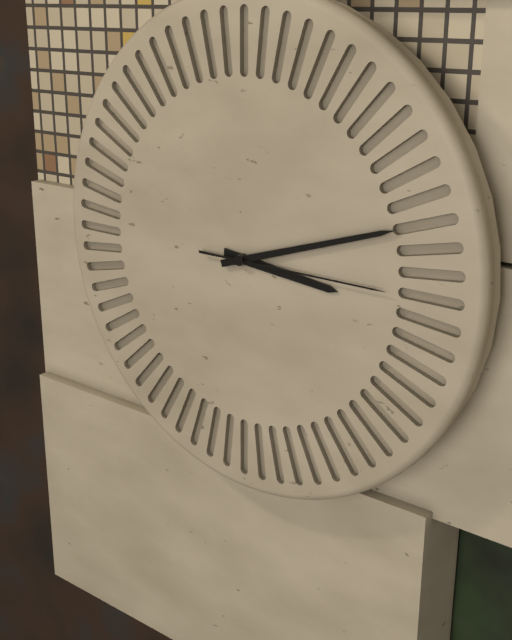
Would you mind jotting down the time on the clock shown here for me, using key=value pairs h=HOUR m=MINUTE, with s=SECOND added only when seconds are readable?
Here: h=3 m=12 s=15
